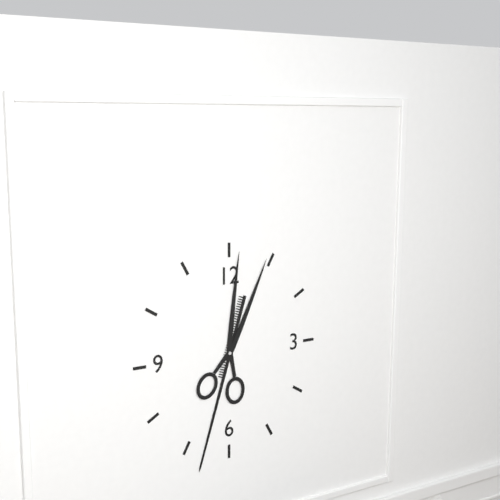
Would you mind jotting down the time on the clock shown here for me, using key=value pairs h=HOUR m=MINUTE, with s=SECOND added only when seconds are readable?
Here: h=12 m=33
